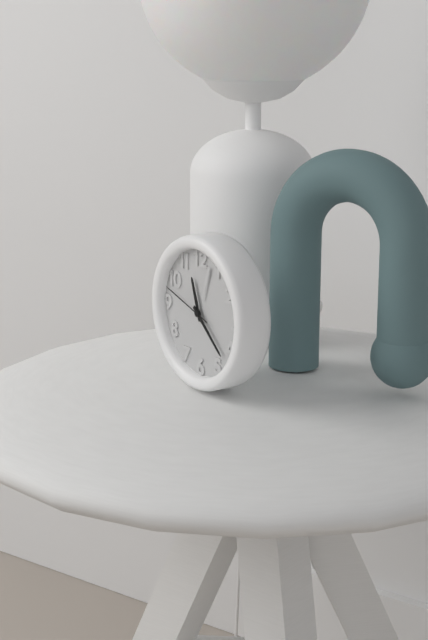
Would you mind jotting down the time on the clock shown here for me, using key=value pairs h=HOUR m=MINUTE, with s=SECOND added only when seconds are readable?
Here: h=11 m=22 s=48
